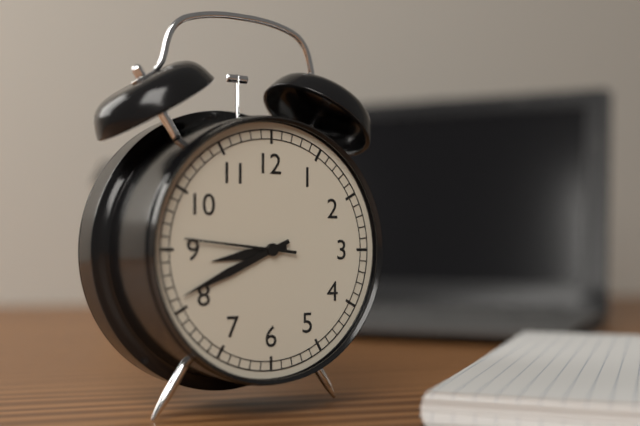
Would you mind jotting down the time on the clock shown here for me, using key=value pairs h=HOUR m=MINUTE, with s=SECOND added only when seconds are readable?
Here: h=8 m=41 s=46
